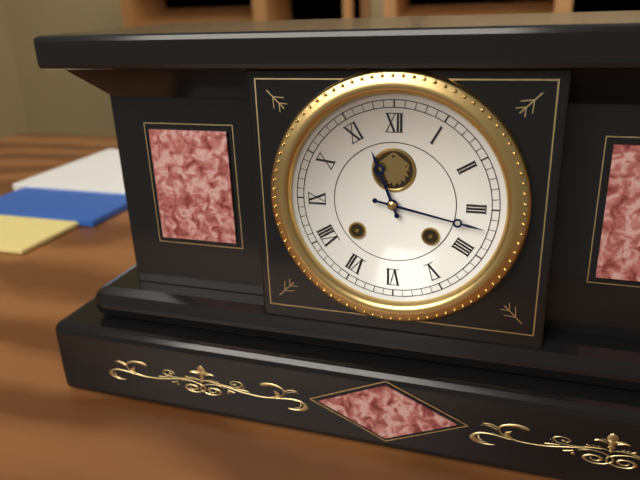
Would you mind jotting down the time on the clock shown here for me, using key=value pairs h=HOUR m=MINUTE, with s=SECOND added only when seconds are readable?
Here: h=11 m=17
